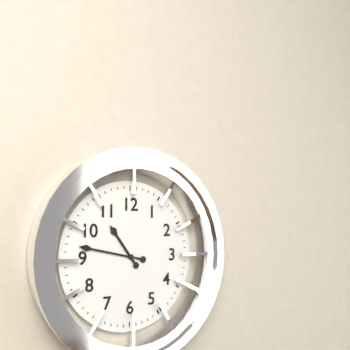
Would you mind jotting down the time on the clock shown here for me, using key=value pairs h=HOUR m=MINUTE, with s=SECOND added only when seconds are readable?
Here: h=10 m=47
